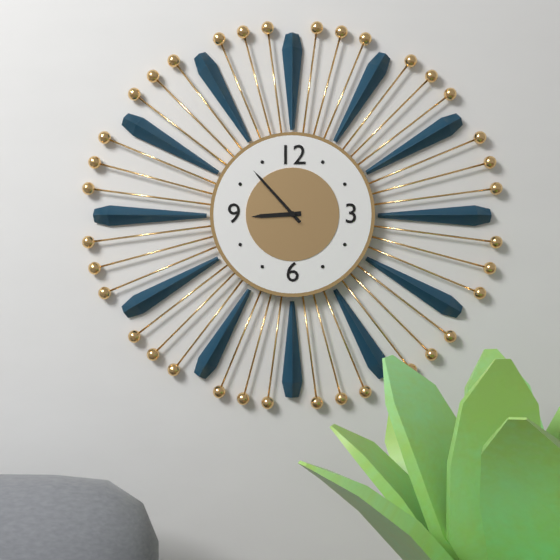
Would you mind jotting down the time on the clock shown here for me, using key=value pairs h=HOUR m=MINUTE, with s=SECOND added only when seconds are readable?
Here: h=8 m=53
